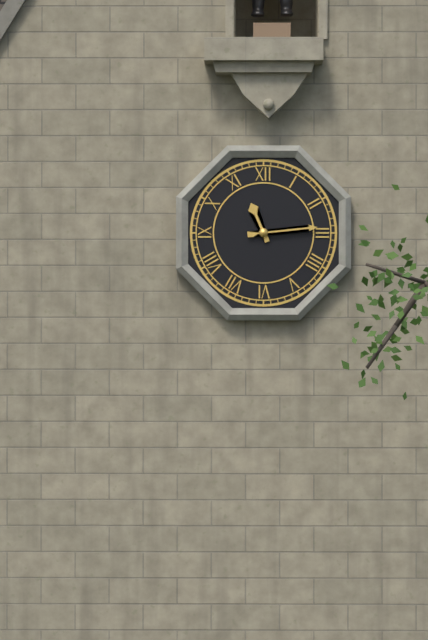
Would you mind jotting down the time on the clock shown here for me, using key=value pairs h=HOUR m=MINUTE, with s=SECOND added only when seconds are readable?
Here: h=11 m=14
